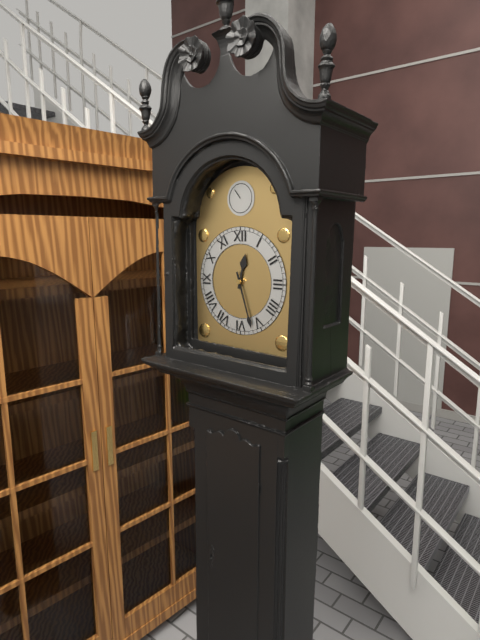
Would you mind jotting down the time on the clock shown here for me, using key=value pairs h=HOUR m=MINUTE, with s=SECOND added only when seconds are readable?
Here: h=12 m=27
